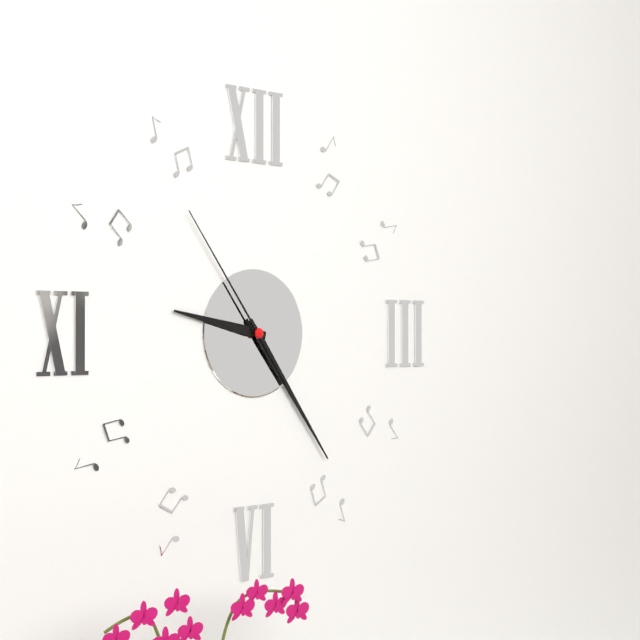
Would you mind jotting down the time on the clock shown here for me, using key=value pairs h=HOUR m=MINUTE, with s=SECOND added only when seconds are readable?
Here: h=9 m=24 s=54
